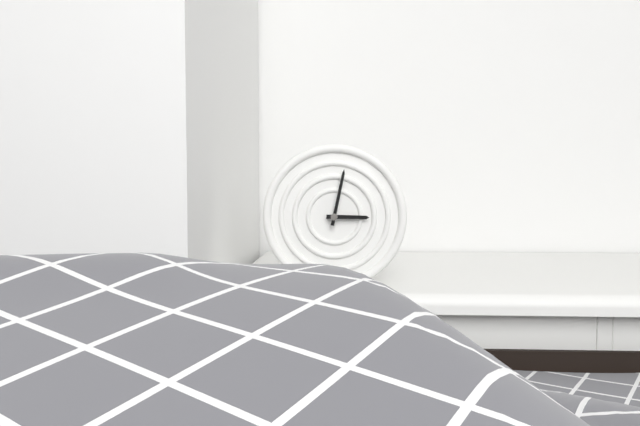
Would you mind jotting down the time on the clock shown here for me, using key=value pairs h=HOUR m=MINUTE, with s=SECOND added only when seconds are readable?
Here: h=3 m=2
